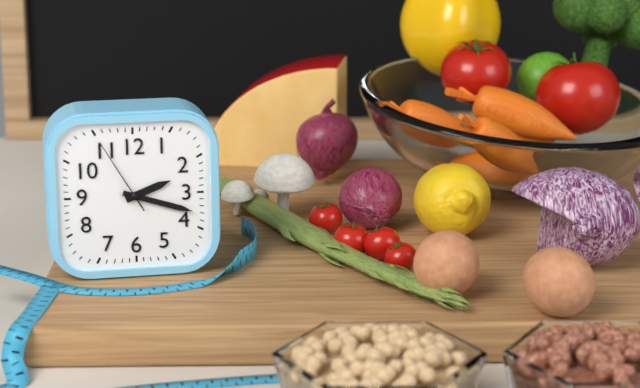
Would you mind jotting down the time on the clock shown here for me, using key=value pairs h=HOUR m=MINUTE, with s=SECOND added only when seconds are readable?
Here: h=2 m=18 s=55
